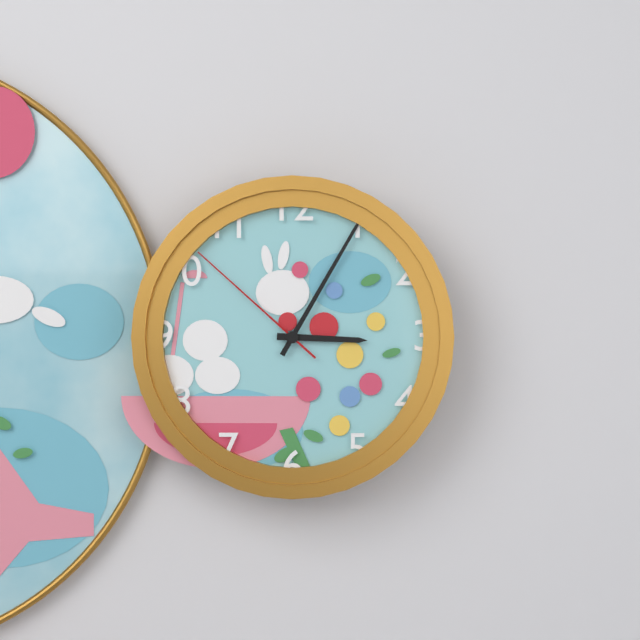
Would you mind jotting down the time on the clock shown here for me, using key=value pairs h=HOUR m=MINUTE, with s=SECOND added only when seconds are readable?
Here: h=3 m=5 s=52
